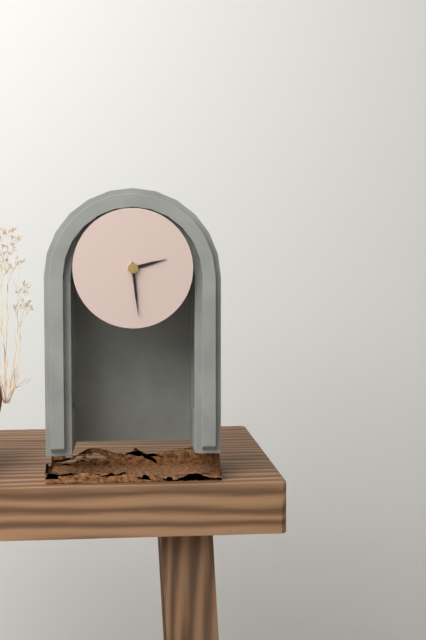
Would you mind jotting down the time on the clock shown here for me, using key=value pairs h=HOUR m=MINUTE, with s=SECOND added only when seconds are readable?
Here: h=2 m=29
